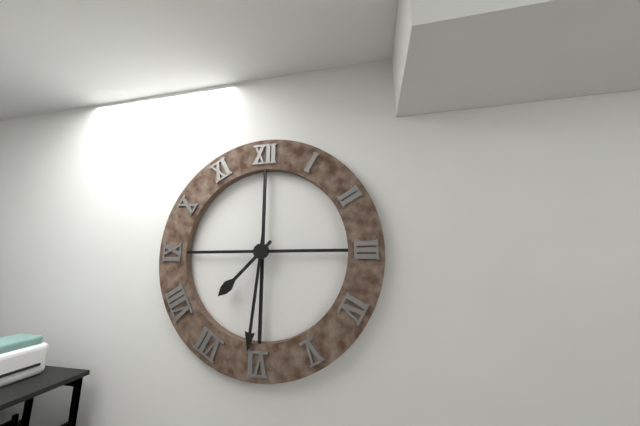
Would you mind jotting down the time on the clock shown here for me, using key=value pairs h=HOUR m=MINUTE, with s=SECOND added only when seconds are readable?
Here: h=7 m=31
